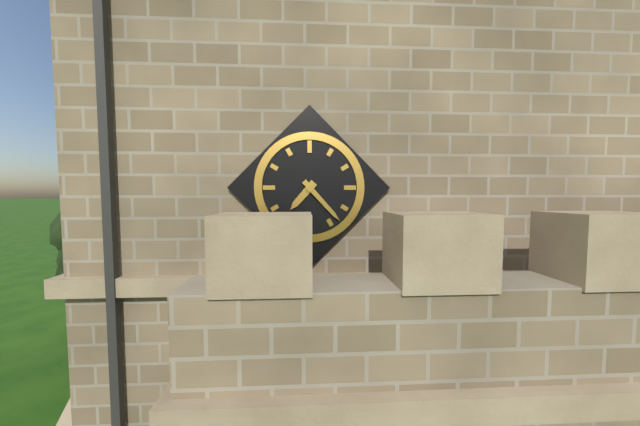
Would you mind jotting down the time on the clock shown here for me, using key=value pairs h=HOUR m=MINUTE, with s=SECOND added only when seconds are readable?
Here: h=7 m=23
